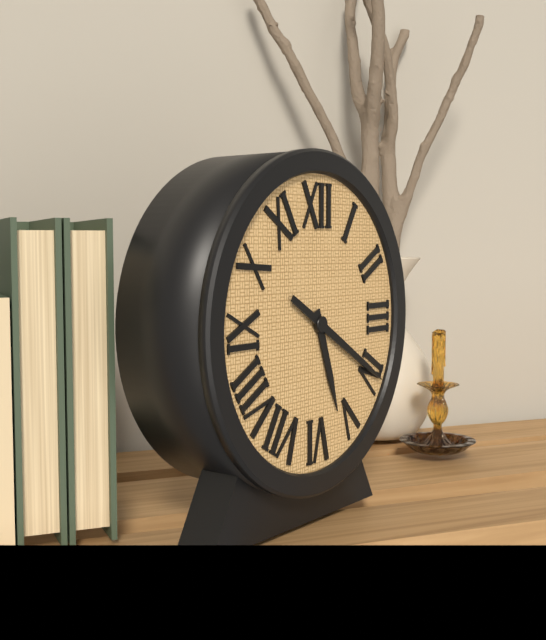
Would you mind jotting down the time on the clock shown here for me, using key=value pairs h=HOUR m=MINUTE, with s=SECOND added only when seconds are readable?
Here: h=5 m=20
